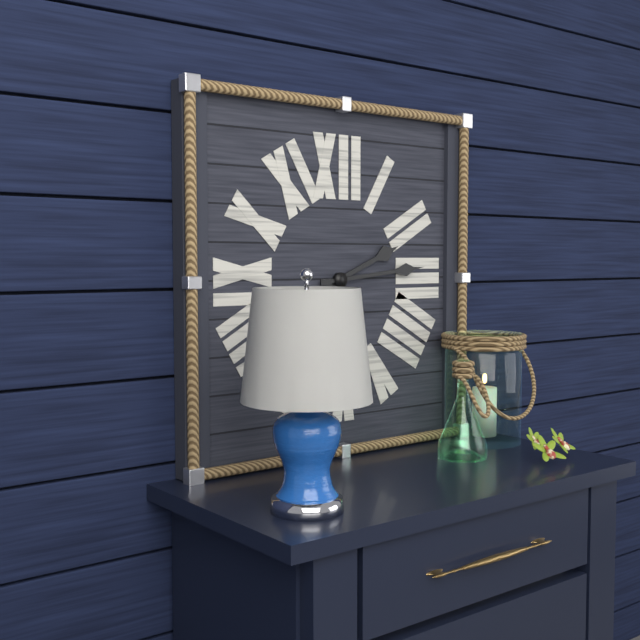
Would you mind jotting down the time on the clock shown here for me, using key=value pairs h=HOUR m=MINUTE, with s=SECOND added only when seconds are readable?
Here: h=2 m=14
